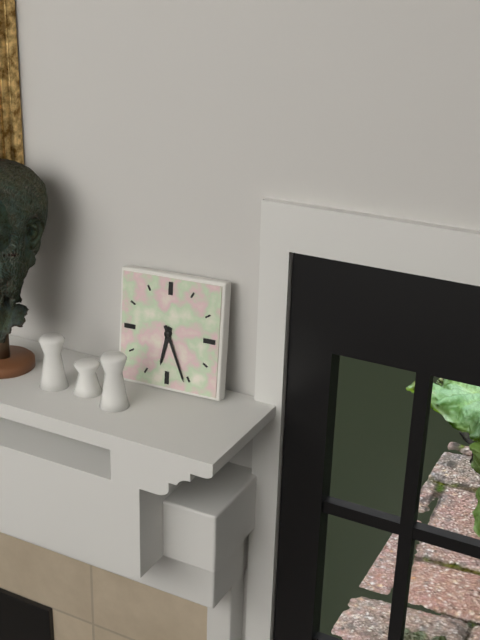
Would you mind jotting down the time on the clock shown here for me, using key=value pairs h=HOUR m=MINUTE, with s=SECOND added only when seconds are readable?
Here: h=6 m=26
